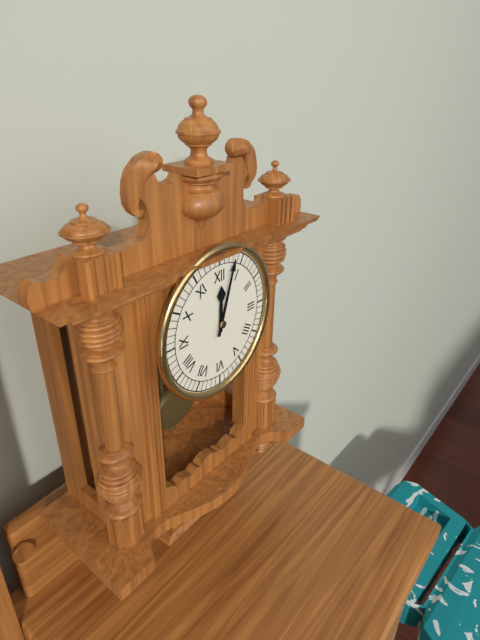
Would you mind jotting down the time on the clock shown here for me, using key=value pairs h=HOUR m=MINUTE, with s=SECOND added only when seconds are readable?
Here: h=12 m=3
